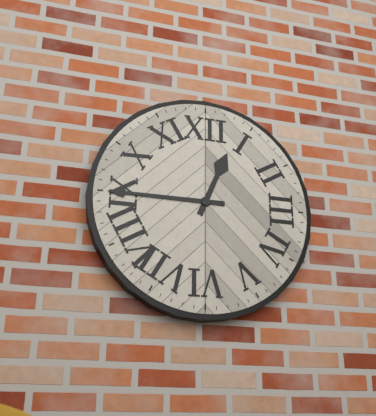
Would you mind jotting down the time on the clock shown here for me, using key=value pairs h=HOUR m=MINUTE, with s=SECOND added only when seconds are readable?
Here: h=12 m=45
